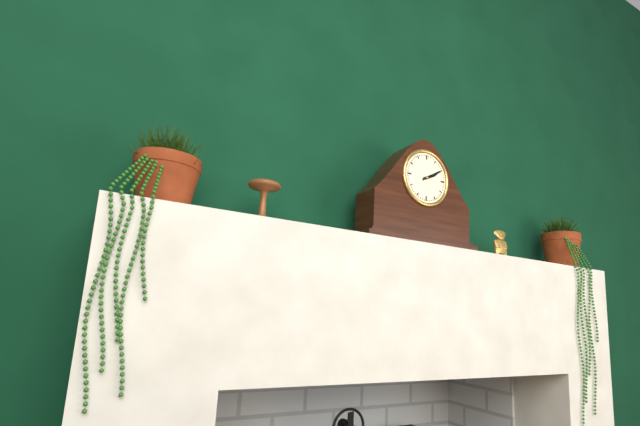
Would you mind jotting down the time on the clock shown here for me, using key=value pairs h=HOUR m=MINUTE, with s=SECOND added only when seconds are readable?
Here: h=2 m=10
